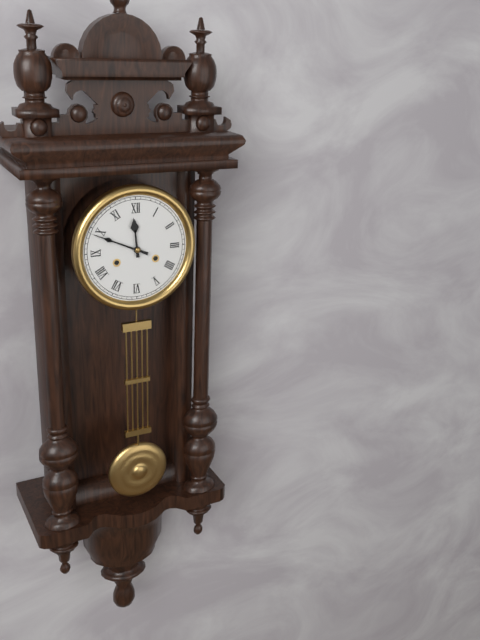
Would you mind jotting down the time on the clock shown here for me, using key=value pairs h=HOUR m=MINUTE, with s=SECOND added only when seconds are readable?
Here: h=11 m=49
